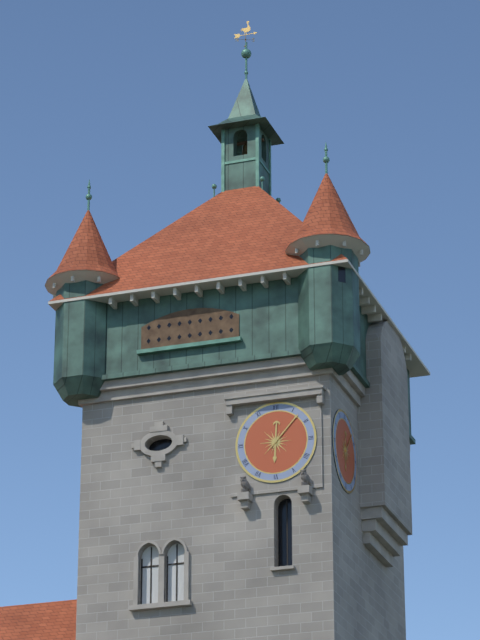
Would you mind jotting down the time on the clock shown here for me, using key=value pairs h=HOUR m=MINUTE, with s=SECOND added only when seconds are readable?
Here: h=6 m=7
